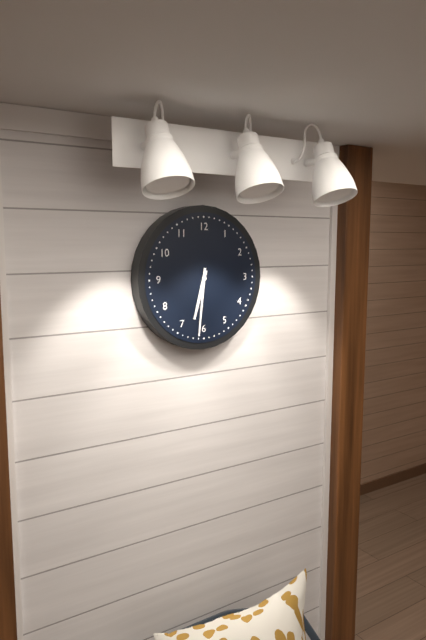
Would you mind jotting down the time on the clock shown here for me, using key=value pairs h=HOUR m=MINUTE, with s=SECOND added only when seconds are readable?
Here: h=6 m=31
